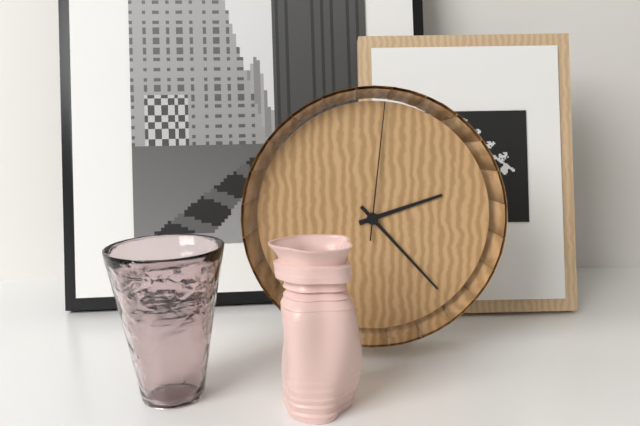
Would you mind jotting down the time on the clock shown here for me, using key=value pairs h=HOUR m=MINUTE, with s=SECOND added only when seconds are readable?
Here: h=2 m=23 s=1
